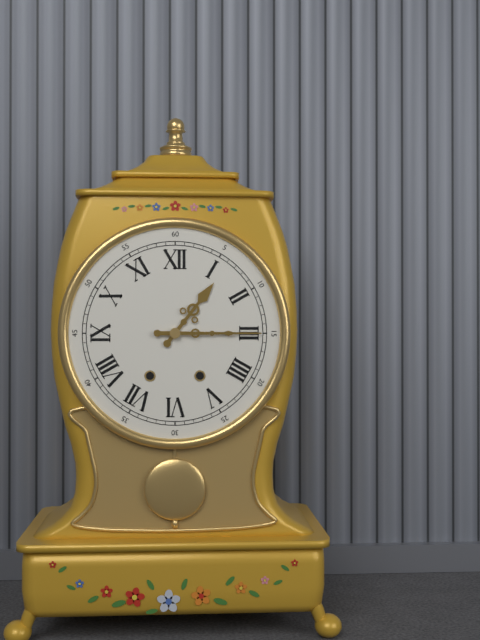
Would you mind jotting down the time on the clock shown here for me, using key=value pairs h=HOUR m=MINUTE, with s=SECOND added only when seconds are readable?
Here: h=1 m=15
